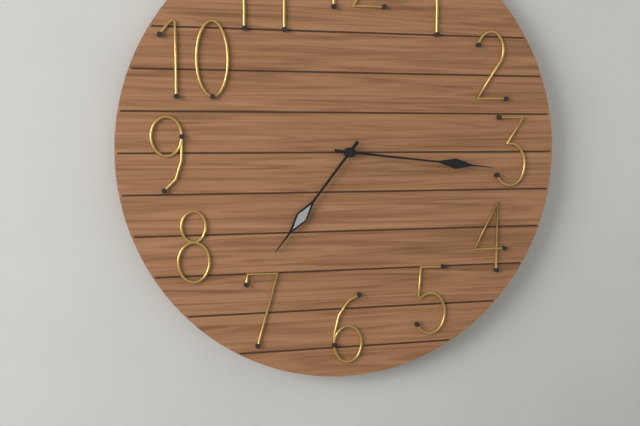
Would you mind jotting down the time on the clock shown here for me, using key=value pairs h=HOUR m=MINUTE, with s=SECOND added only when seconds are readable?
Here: h=7 m=16
